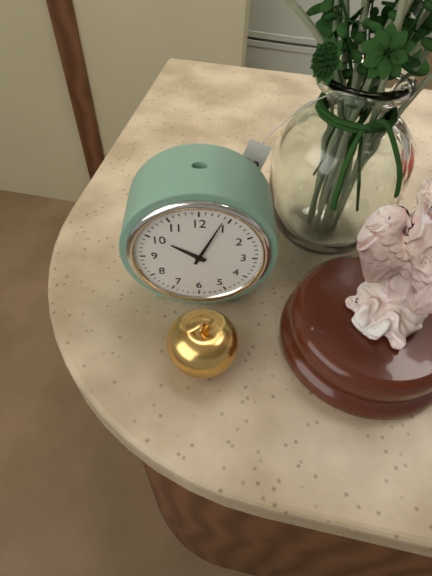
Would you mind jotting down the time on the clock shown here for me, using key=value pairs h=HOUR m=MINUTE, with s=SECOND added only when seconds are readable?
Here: h=10 m=4
